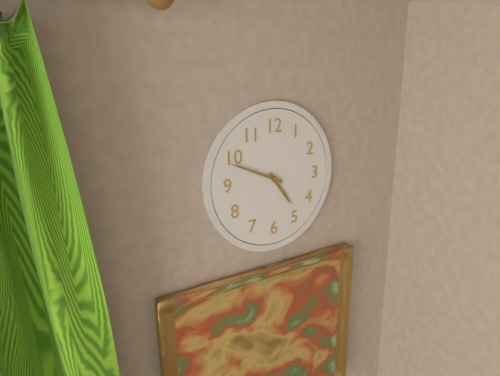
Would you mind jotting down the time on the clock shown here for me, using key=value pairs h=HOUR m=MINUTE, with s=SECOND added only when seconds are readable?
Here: h=4 m=49
